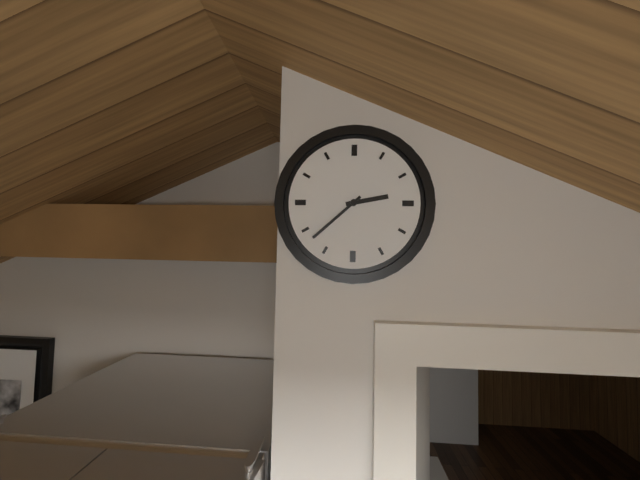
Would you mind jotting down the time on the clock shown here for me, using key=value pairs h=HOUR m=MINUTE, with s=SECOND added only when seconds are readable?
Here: h=2 m=38
